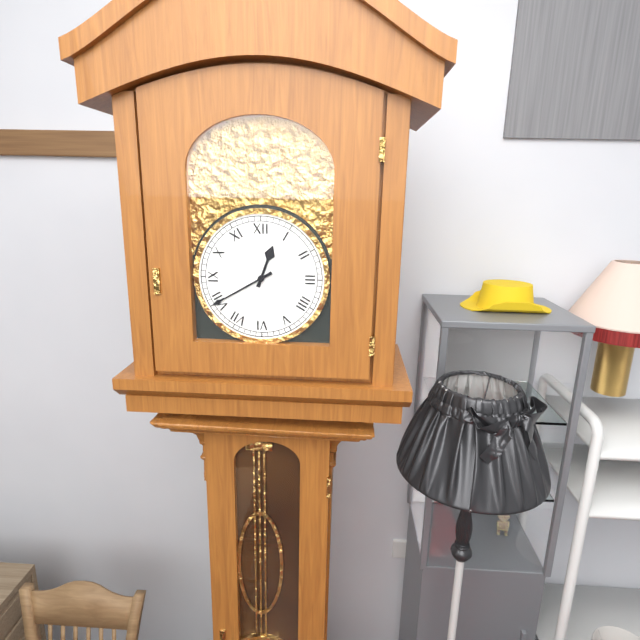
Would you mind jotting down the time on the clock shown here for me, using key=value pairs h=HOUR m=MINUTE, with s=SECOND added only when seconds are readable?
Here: h=12 m=40
